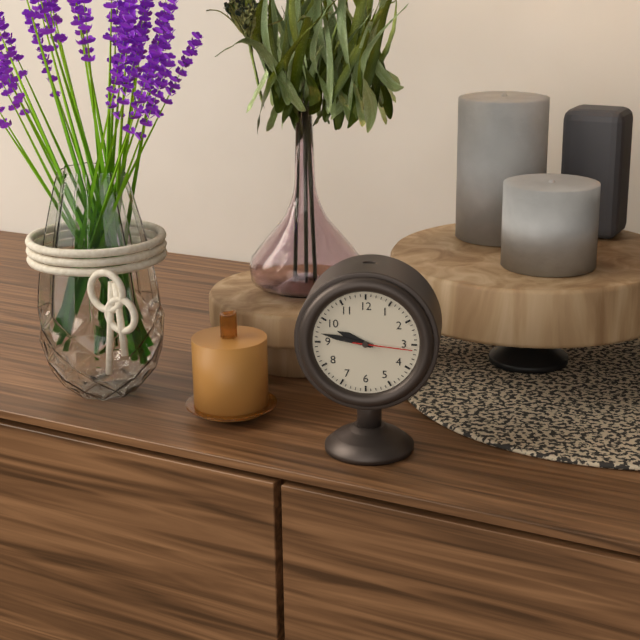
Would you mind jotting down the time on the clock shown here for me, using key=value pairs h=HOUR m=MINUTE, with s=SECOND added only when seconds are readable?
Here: h=9 m=47 s=16
